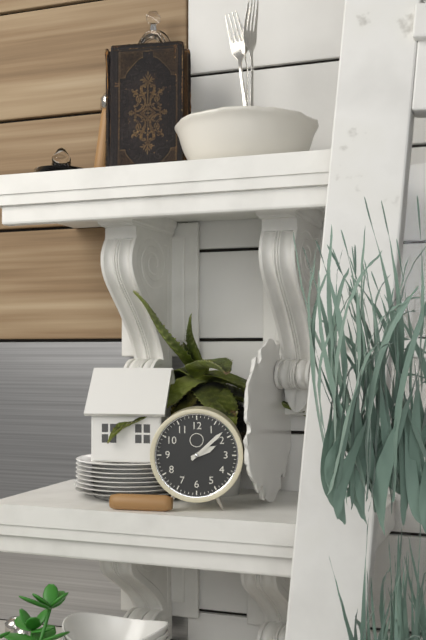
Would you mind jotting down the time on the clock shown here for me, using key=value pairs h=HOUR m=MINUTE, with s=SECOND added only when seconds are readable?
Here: h=2 m=8
